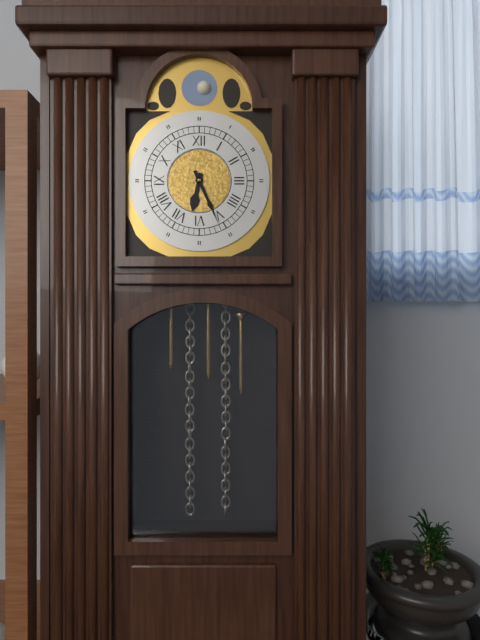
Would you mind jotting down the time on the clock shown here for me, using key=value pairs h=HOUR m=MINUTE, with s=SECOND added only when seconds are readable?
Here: h=6 m=26
